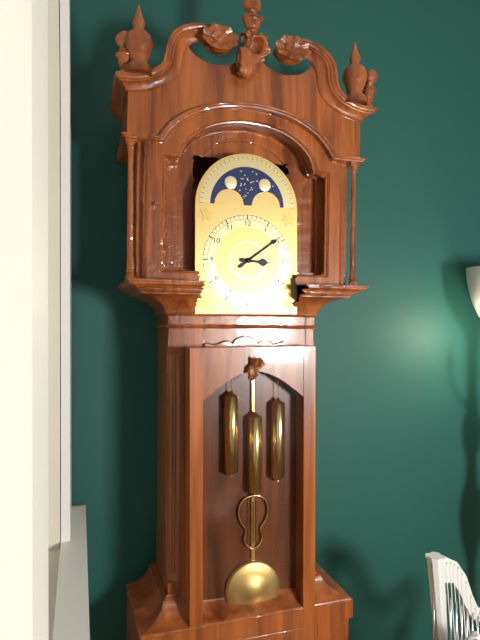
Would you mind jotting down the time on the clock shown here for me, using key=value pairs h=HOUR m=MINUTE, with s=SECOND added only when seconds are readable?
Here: h=3 m=9
